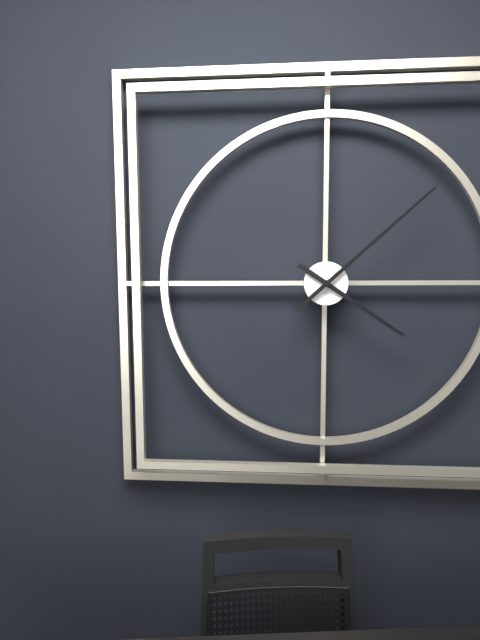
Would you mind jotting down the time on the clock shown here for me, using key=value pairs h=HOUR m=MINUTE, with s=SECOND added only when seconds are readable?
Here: h=4 m=8
